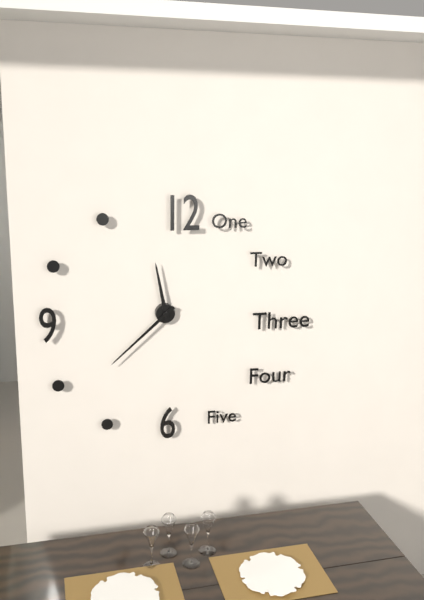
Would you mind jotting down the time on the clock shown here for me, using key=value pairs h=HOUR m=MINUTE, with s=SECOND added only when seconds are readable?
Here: h=11 m=38
